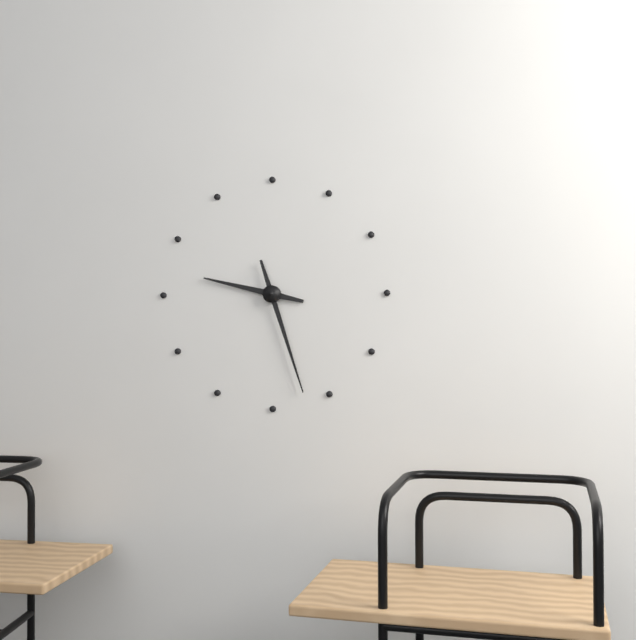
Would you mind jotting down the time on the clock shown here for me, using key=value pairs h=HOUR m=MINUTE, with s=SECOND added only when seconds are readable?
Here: h=9 m=27
